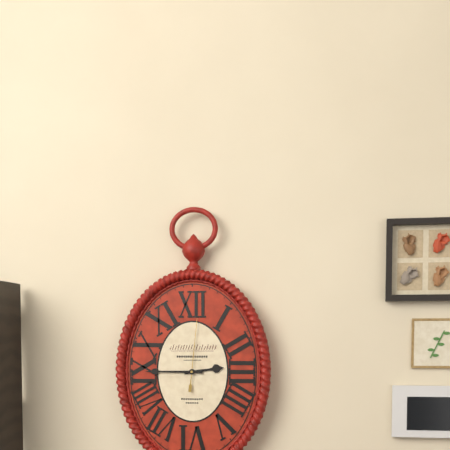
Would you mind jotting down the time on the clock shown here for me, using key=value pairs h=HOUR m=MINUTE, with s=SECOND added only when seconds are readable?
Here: h=2 m=45 s=1
